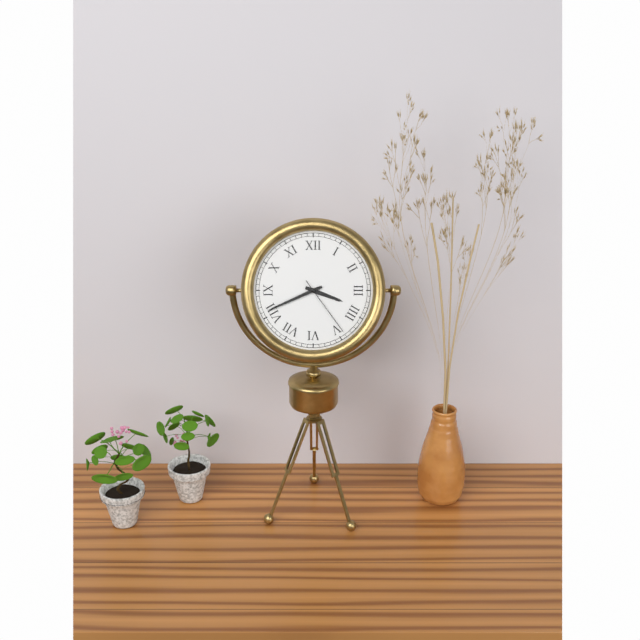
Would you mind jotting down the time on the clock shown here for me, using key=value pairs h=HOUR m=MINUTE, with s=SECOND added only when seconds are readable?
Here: h=3 m=41 s=24
